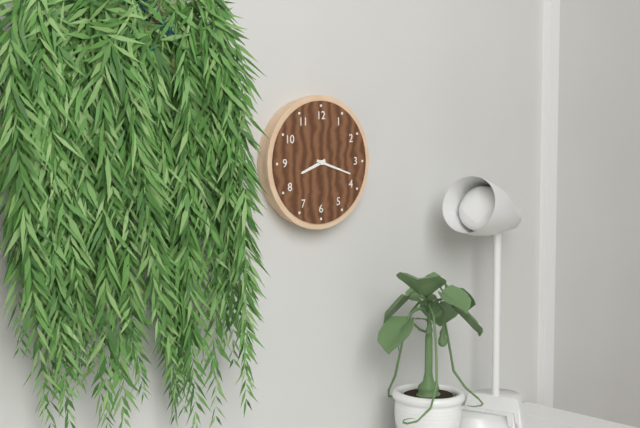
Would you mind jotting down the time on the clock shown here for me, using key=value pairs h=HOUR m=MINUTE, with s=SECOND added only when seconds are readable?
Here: h=8 m=18
